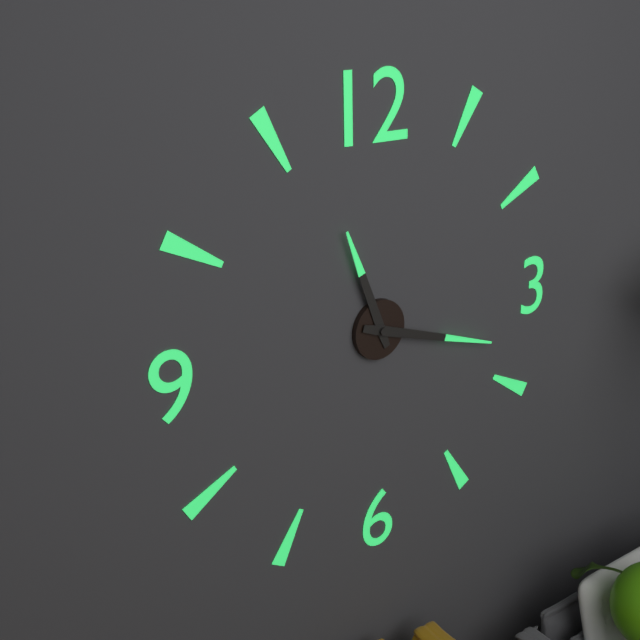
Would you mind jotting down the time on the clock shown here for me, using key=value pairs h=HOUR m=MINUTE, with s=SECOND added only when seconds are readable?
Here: h=11 m=18
